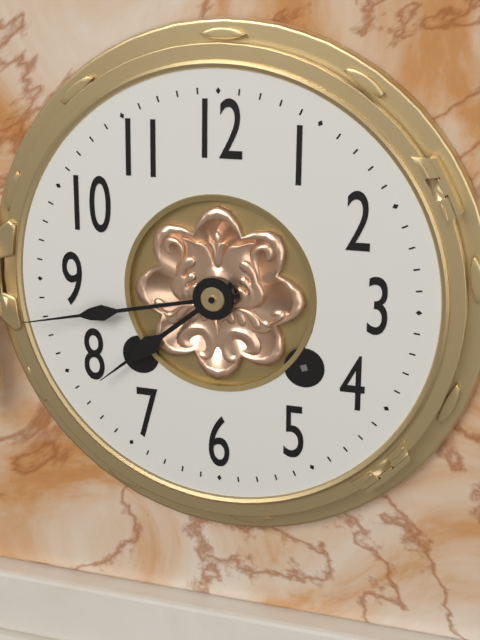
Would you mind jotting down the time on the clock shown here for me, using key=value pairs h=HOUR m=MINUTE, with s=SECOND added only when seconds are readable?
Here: h=7 m=43
